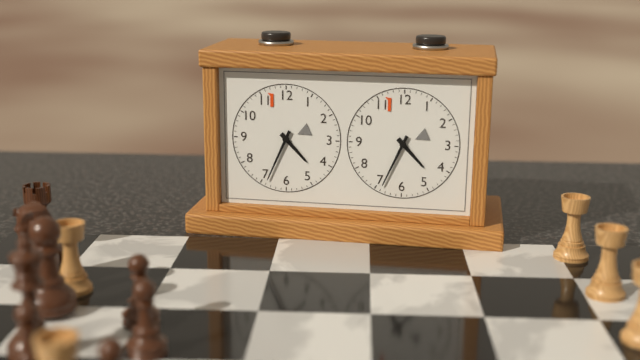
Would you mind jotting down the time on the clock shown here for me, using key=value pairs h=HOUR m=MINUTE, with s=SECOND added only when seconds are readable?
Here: h=4 m=34
